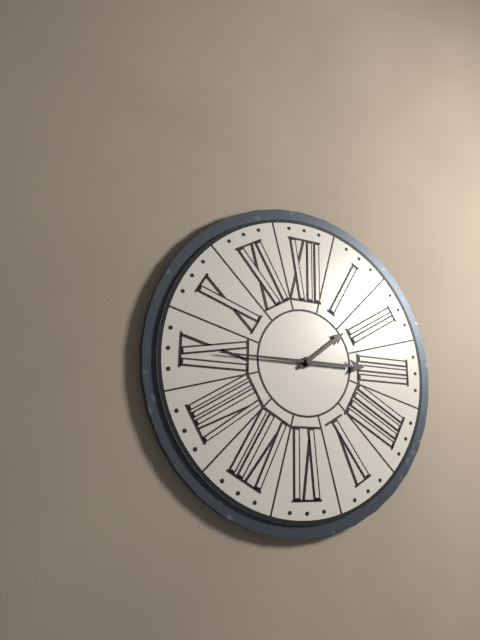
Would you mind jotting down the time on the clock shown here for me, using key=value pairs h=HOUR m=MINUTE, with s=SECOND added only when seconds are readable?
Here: h=1 m=45
